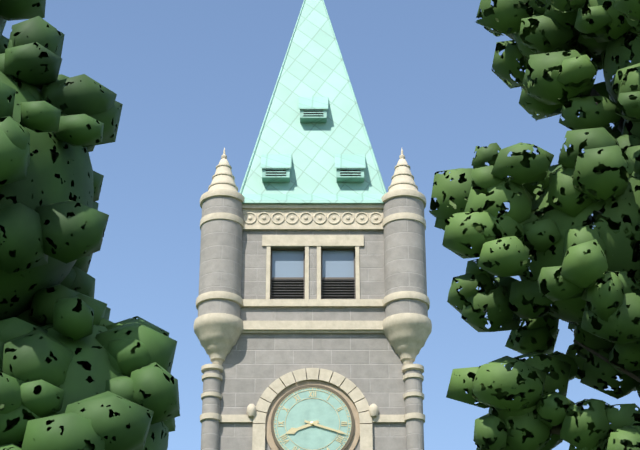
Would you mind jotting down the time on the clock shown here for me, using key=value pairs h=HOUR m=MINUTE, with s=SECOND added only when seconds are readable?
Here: h=8 m=18
